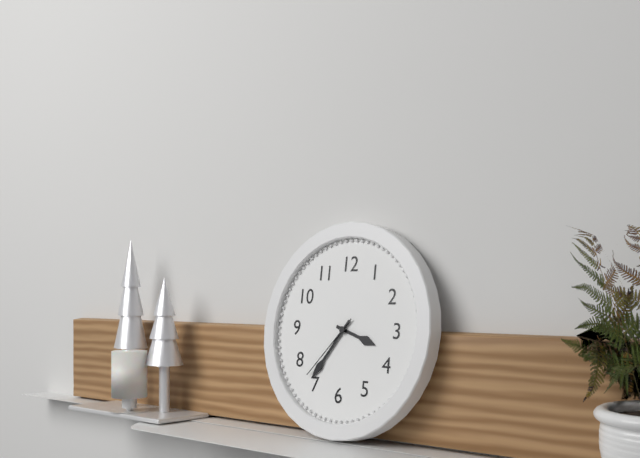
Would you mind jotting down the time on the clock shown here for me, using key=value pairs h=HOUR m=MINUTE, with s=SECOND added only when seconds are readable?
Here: h=3 m=36 s=37
